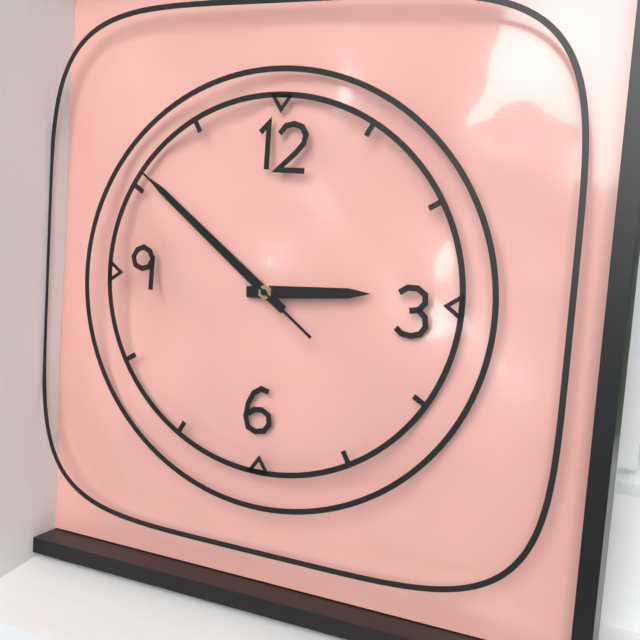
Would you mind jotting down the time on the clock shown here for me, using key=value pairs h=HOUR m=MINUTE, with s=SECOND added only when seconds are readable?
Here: h=2 m=51 s=51
